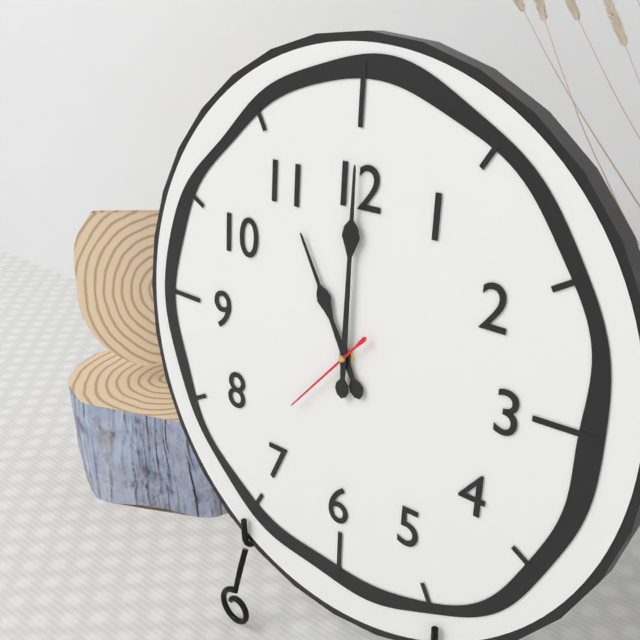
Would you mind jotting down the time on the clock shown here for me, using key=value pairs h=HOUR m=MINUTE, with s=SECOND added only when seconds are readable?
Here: h=11 m=0 s=37
